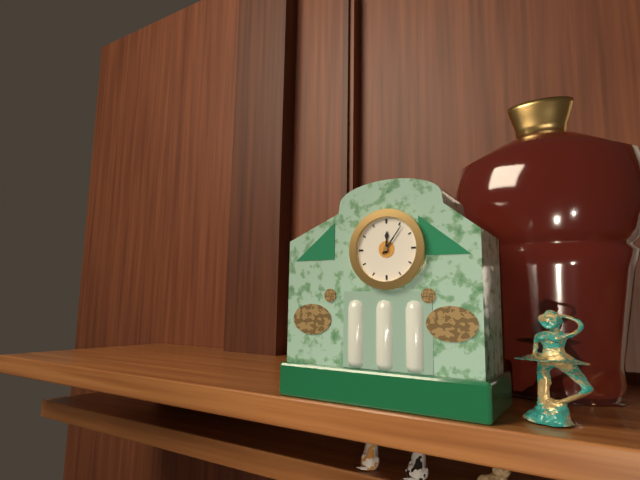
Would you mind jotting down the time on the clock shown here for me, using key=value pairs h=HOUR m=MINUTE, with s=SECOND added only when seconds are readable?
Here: h=12 m=6
